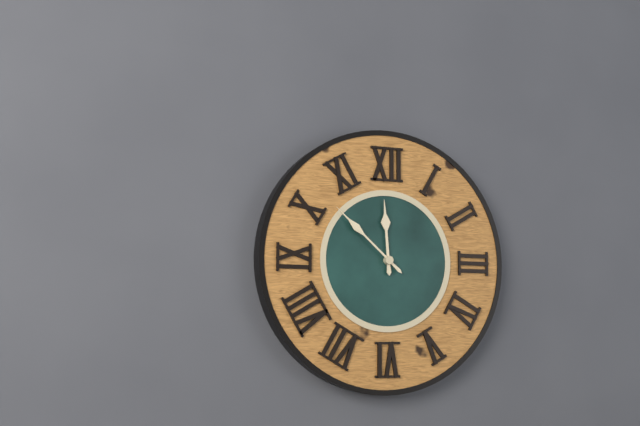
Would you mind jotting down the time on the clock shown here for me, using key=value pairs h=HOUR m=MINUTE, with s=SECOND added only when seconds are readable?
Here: h=11 m=52
